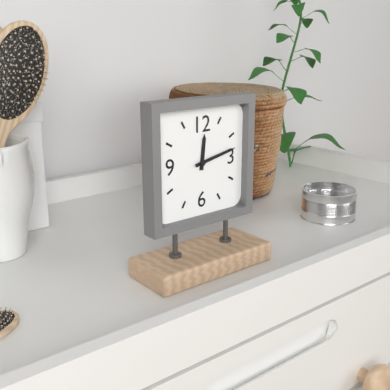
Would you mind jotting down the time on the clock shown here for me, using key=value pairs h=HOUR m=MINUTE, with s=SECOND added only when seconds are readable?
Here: h=12 m=13
